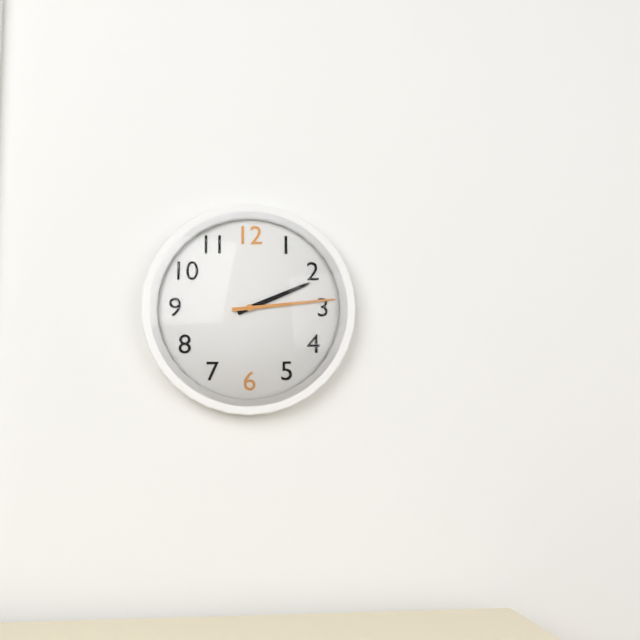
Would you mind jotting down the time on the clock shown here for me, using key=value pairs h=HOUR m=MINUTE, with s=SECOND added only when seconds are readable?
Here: h=2 m=14
